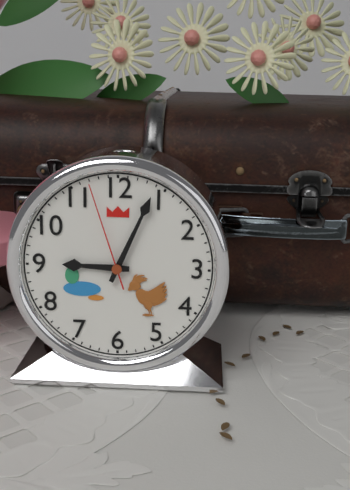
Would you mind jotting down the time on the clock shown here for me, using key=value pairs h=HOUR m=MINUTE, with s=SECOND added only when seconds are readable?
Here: h=9 m=4 s=57
